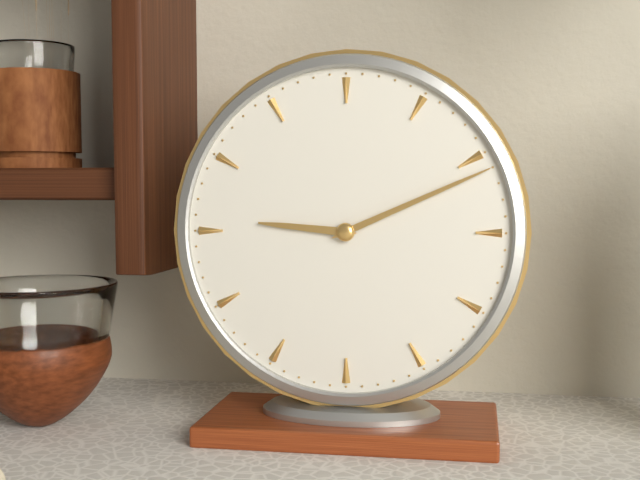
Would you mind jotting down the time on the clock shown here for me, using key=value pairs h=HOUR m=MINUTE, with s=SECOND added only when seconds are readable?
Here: h=9 m=11
